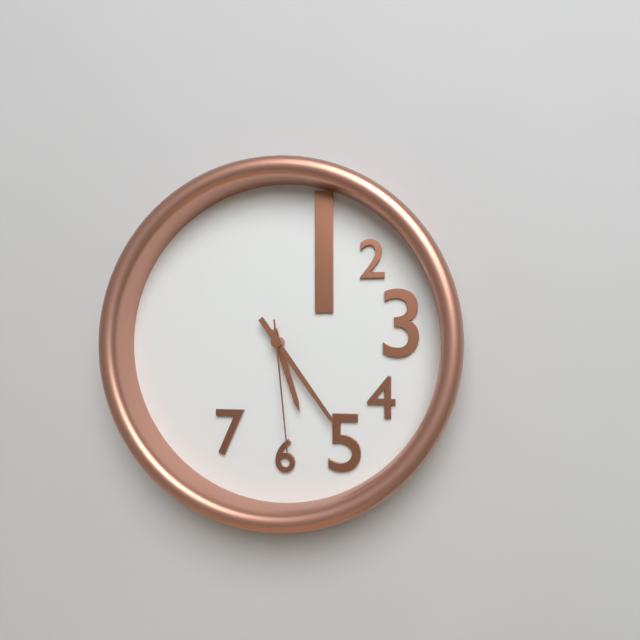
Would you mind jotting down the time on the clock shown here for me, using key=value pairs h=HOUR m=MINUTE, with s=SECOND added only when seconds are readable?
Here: h=5 m=24 s=29
